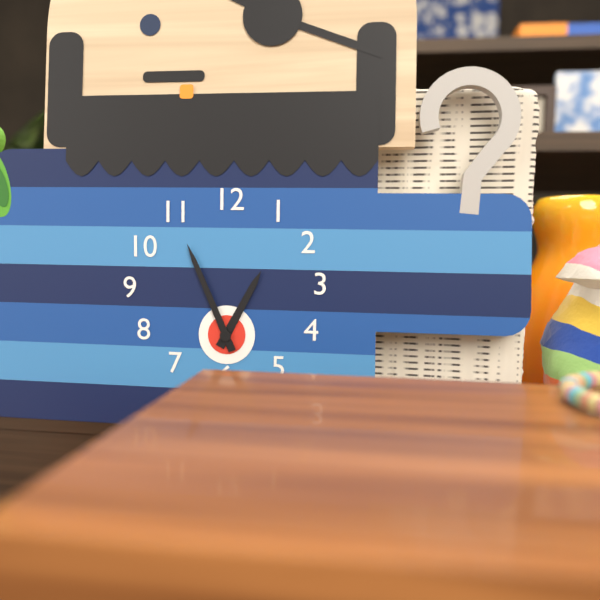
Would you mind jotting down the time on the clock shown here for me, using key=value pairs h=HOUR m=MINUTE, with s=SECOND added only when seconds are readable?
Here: h=12 m=56
